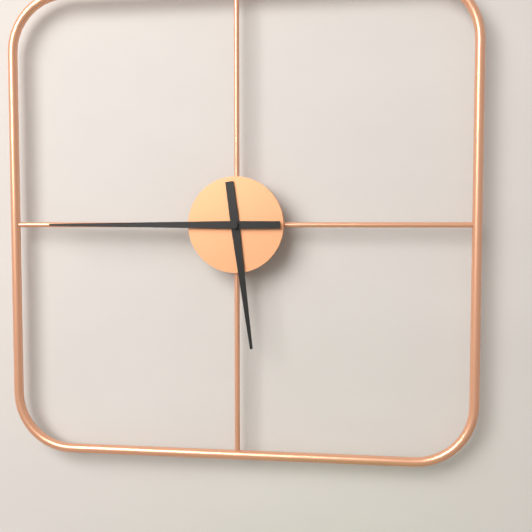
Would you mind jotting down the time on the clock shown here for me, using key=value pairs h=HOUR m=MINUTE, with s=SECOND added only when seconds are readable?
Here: h=5 m=45
